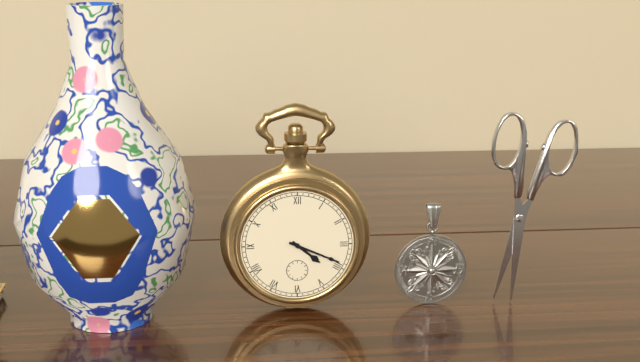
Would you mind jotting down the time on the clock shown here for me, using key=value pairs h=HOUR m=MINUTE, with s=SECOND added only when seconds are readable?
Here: h=4 m=19
